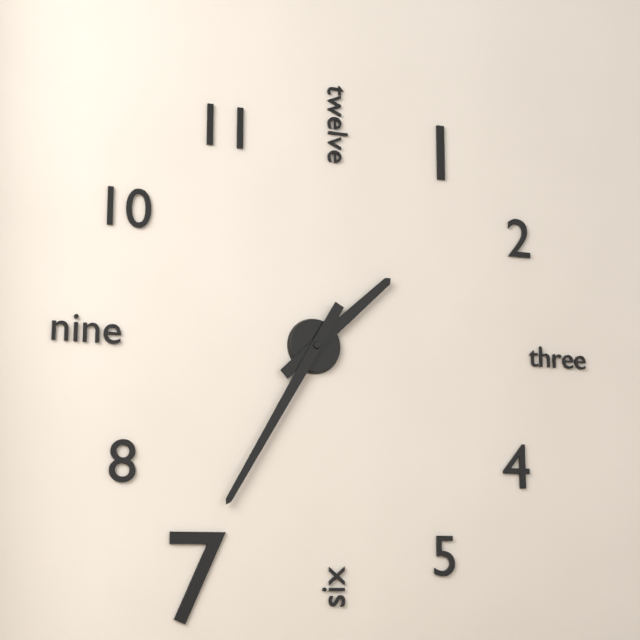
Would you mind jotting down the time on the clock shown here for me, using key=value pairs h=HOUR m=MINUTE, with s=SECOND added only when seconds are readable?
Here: h=1 m=35
